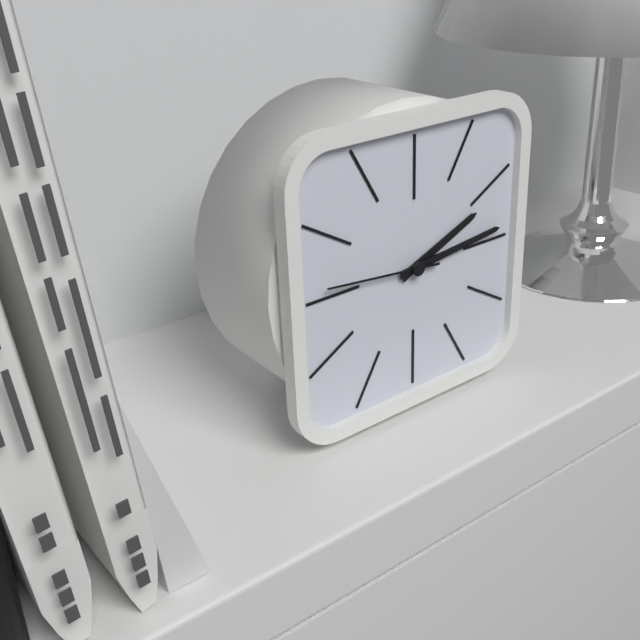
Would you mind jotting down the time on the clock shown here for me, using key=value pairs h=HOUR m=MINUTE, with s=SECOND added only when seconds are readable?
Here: h=2 m=14 s=46
